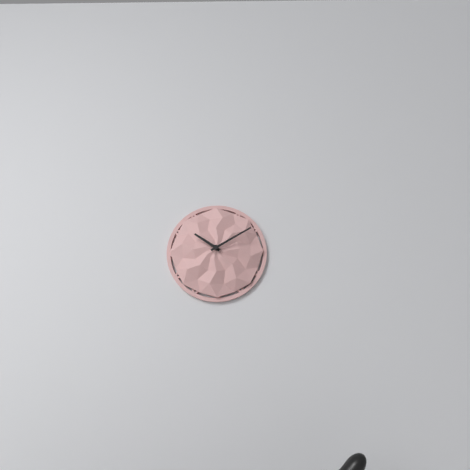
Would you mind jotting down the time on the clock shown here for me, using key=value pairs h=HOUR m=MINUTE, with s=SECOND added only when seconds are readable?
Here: h=10 m=10
